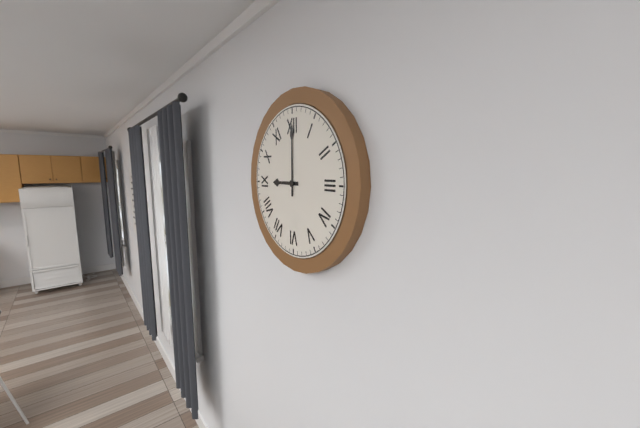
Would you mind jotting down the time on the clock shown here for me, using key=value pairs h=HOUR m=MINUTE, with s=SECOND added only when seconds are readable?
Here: h=9 m=0
